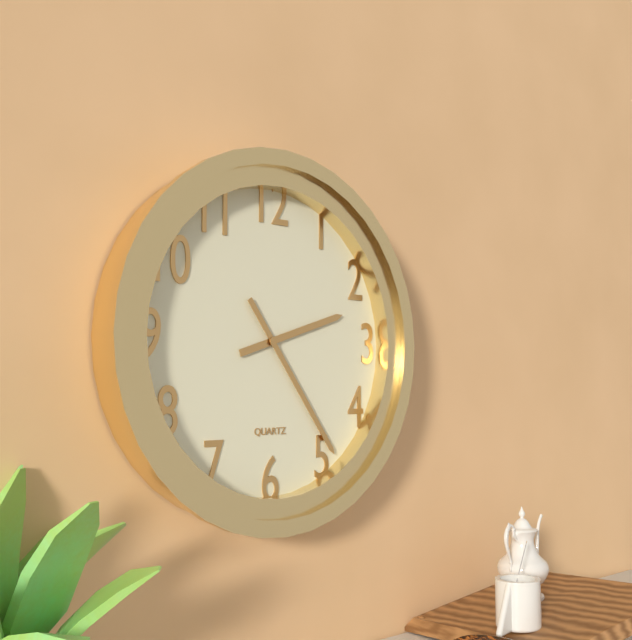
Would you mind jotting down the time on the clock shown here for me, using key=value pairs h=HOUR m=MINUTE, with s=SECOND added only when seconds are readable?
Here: h=2 m=24
